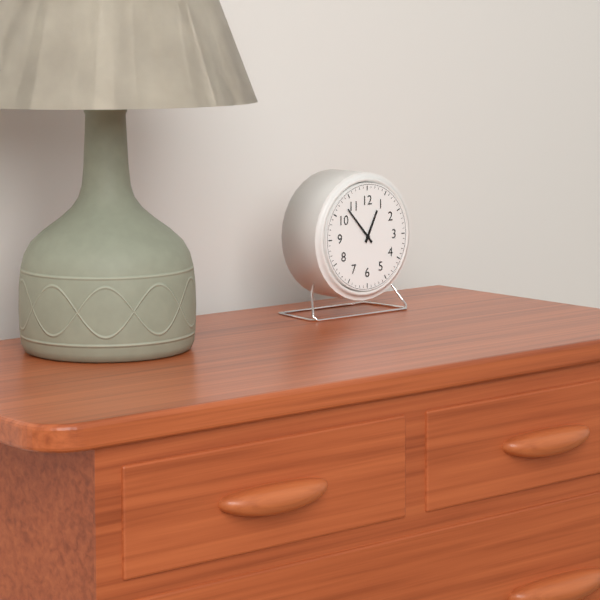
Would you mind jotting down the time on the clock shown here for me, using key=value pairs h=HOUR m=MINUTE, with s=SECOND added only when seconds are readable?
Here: h=12 m=53
